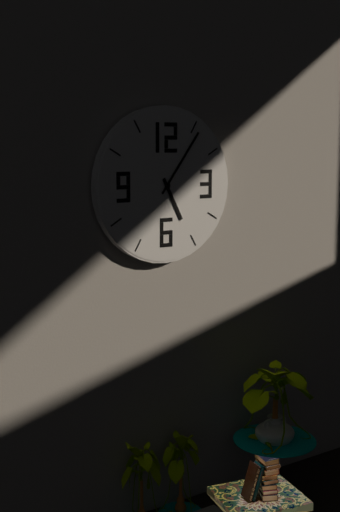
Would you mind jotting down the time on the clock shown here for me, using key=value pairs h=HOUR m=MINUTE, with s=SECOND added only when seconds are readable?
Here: h=5 m=6
